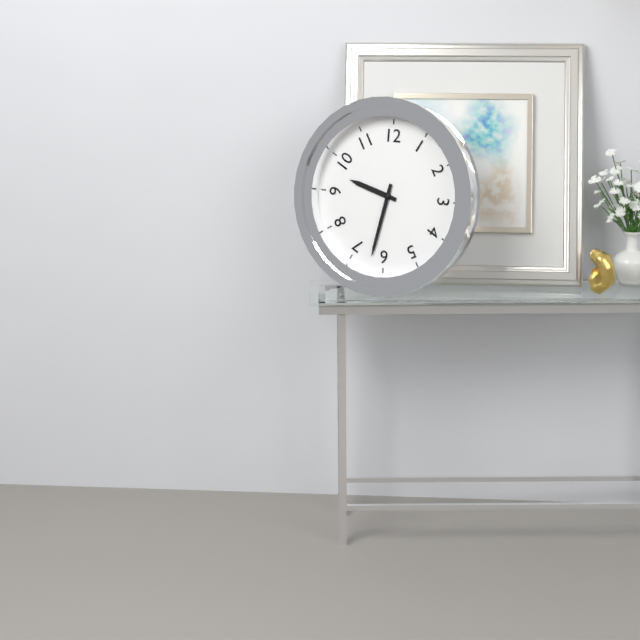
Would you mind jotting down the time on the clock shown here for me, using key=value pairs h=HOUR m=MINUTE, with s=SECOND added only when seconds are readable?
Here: h=9 m=32
